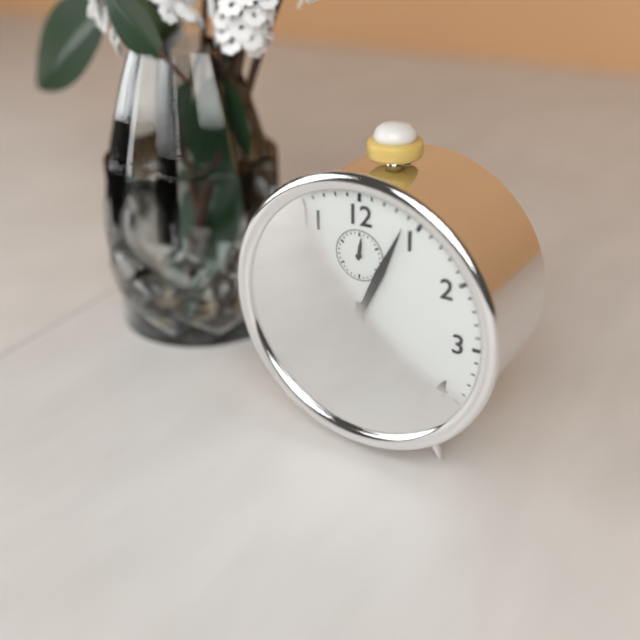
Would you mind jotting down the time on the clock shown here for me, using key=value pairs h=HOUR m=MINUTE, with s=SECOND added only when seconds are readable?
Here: h=6 m=4
